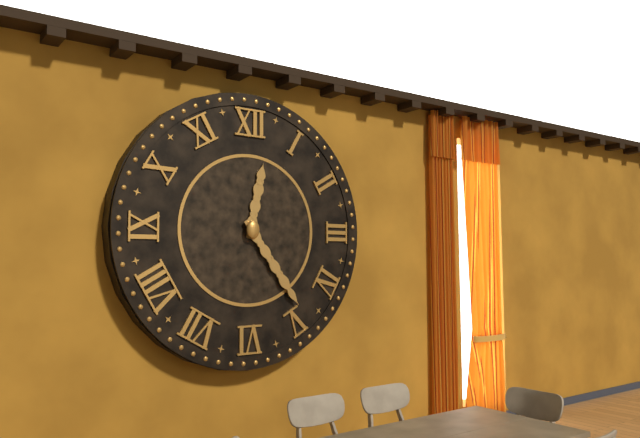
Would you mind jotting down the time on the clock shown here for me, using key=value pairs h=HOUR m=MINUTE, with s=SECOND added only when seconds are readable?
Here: h=12 m=24
